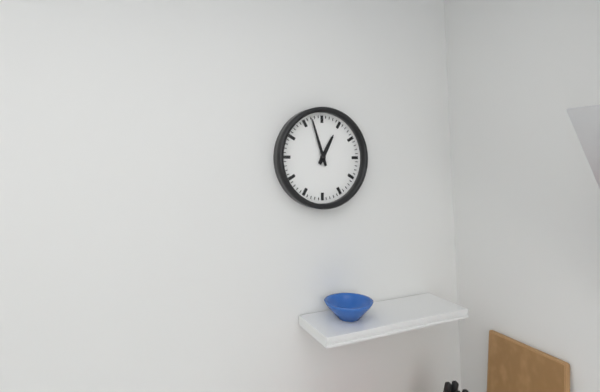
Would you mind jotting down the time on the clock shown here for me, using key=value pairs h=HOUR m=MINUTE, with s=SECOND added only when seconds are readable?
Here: h=12 m=57
